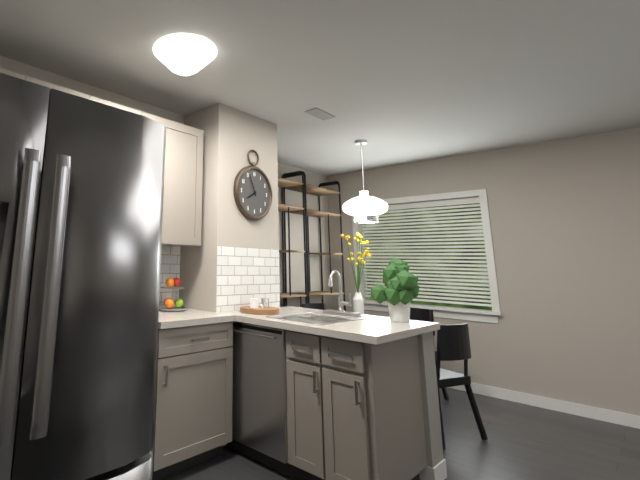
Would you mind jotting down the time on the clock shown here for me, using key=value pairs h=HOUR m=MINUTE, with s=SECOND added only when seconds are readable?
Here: h=7 m=56
